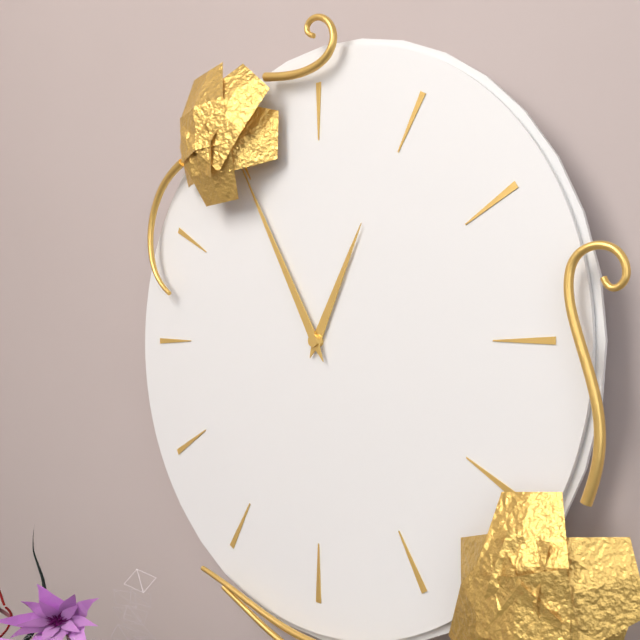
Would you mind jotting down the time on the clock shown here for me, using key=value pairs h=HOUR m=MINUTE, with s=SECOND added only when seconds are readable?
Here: h=12 m=55
